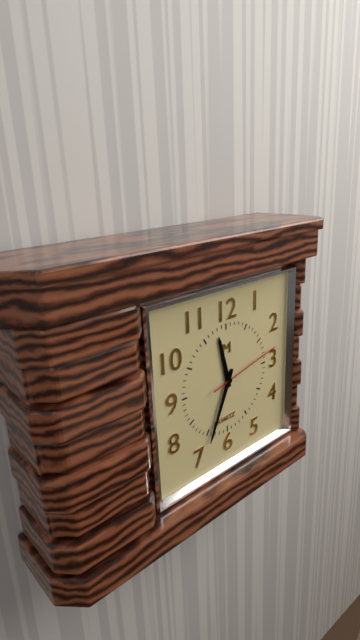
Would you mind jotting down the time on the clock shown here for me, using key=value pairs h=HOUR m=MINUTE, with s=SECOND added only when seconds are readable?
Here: h=11 m=34 s=13
